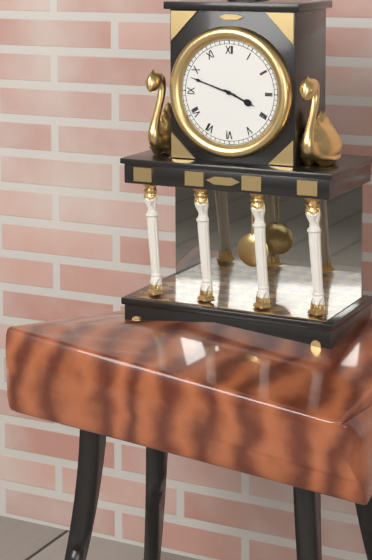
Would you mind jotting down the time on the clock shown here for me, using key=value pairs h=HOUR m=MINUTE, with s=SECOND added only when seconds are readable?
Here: h=3 m=48
